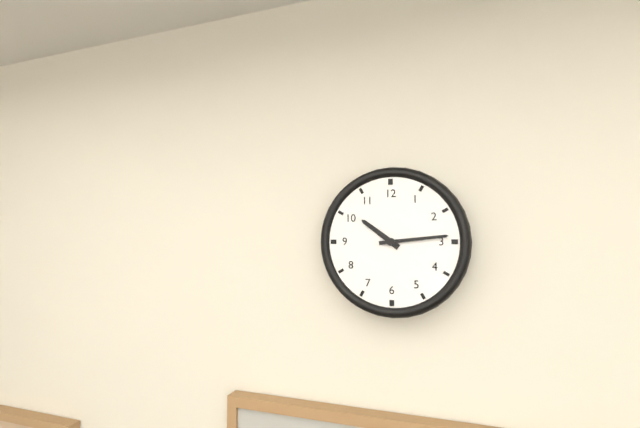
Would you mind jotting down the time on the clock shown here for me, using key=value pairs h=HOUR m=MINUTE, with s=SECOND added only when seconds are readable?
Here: h=10 m=14
